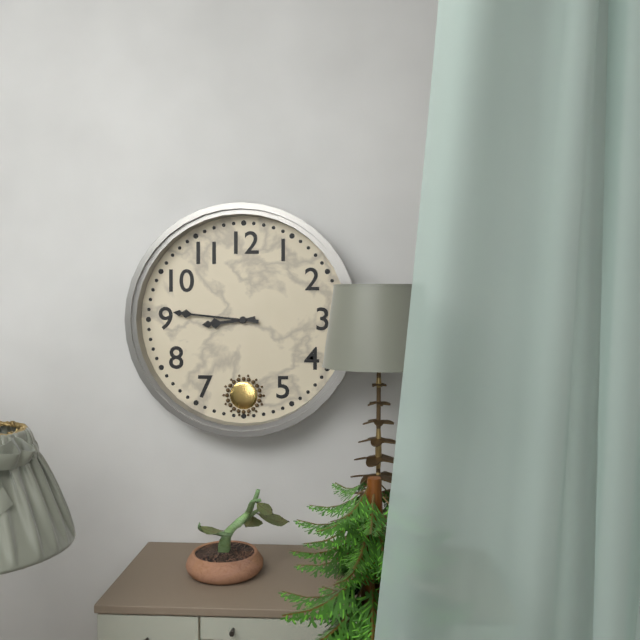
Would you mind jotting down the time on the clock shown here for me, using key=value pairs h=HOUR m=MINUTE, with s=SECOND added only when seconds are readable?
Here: h=8 m=46
